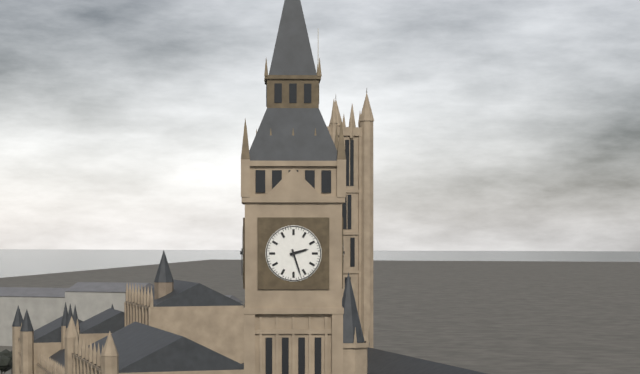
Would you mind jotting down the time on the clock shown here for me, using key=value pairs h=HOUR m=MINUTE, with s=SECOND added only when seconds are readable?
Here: h=2 m=27
